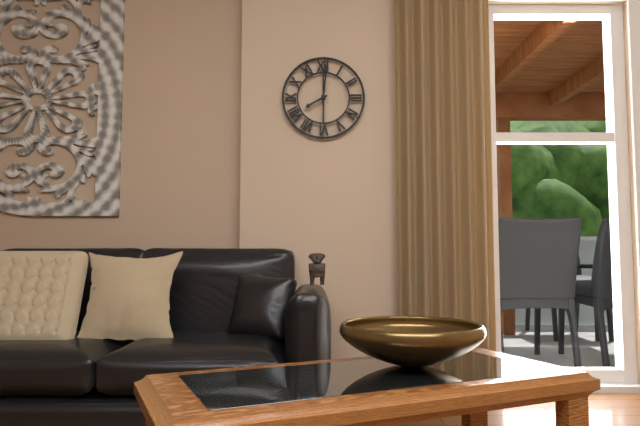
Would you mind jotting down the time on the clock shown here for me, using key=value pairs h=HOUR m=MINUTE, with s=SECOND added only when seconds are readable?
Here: h=8 m=1
